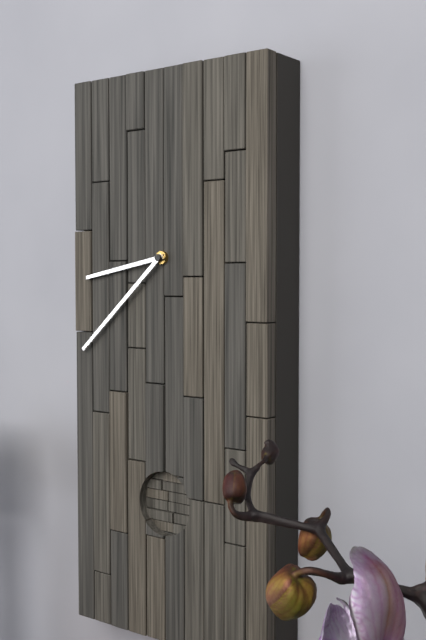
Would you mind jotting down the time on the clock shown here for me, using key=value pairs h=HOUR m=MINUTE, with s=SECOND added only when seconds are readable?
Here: h=8 m=38
